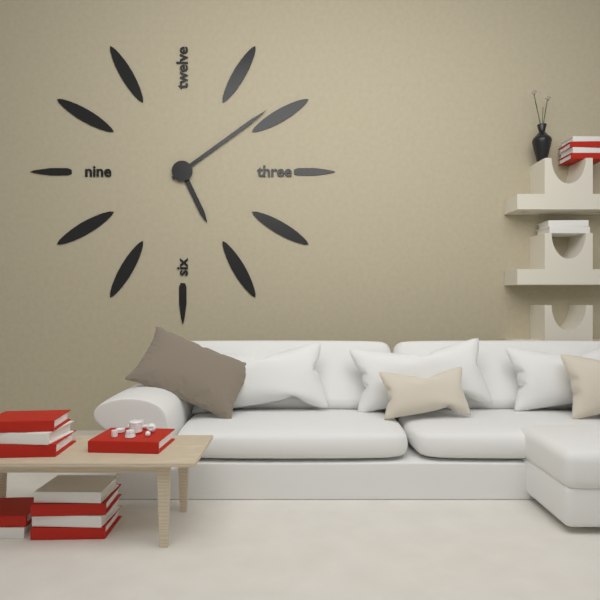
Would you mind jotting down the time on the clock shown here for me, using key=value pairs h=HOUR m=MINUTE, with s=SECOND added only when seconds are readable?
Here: h=5 m=9
